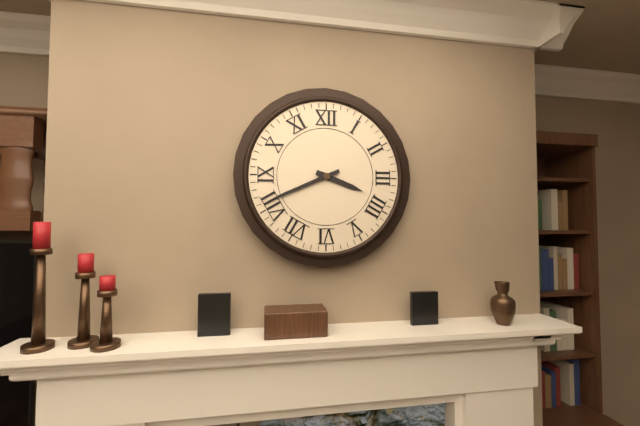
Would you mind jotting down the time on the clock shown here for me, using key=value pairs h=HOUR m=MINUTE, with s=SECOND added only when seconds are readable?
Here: h=3 m=41
